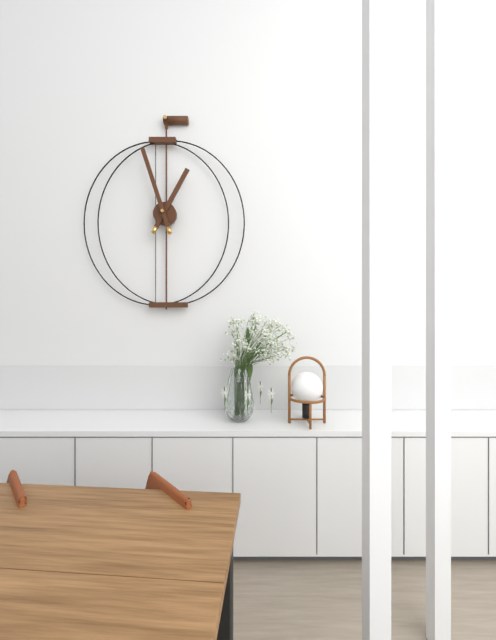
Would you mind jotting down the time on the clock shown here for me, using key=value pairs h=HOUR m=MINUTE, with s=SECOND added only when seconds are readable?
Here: h=12 m=57
